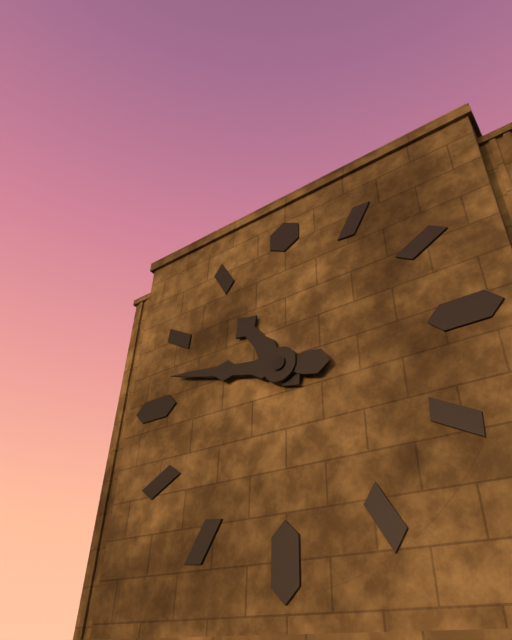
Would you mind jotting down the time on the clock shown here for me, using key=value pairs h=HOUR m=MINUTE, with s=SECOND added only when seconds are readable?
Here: h=10 m=47
